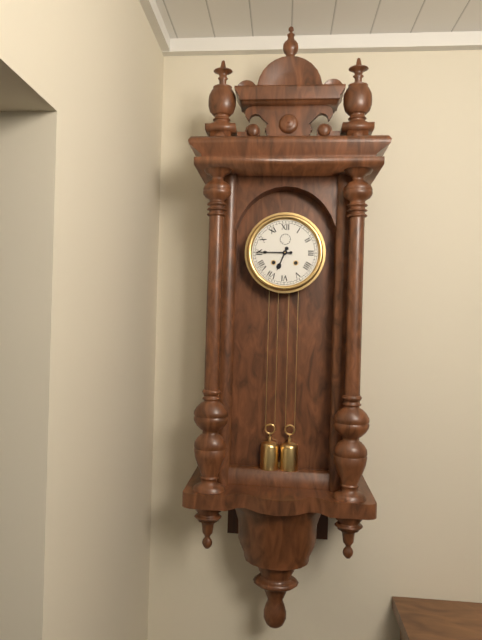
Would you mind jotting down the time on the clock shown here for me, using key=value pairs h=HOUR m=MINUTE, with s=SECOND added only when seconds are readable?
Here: h=6 m=45
